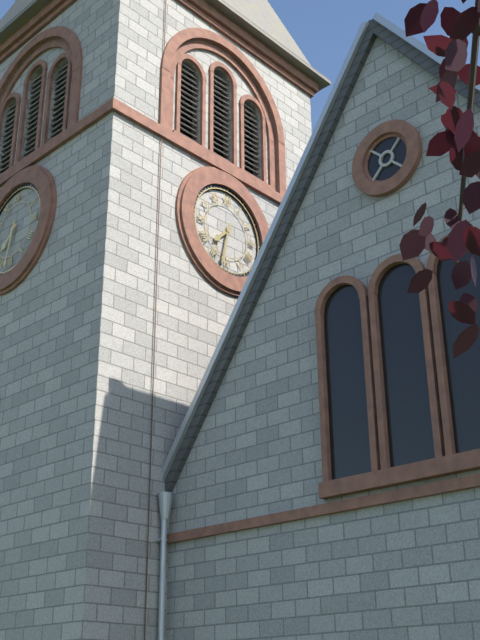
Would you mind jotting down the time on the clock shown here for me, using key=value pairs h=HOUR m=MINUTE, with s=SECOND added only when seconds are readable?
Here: h=7 m=32
